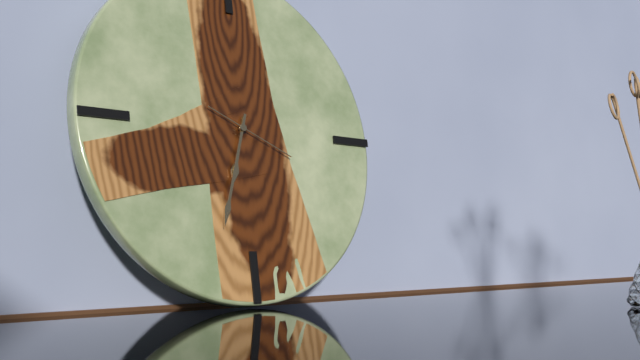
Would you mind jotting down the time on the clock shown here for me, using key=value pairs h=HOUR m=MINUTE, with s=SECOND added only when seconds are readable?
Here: h=6 m=33 s=19
